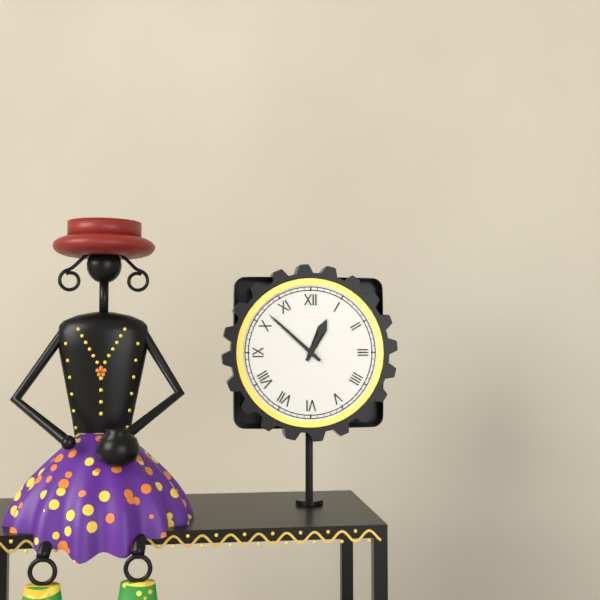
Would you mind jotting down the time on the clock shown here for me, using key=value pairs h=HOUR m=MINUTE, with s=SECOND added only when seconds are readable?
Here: h=12 m=52
